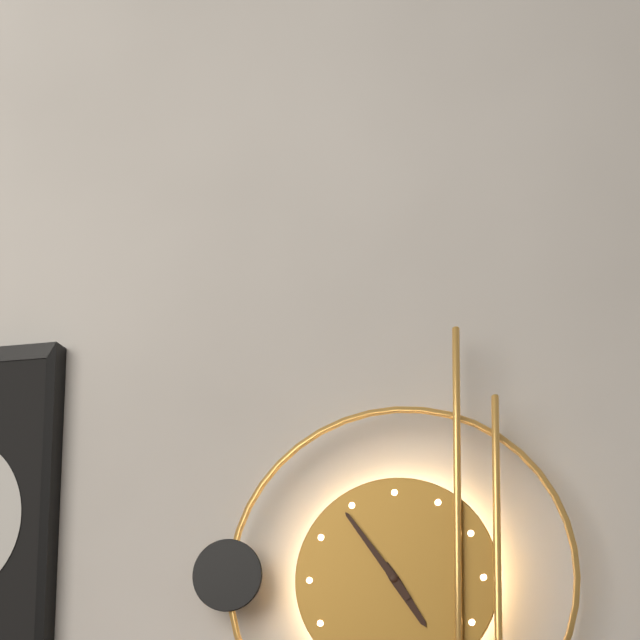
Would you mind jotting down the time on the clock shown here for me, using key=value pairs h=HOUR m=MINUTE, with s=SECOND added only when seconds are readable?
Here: h=4 m=54
